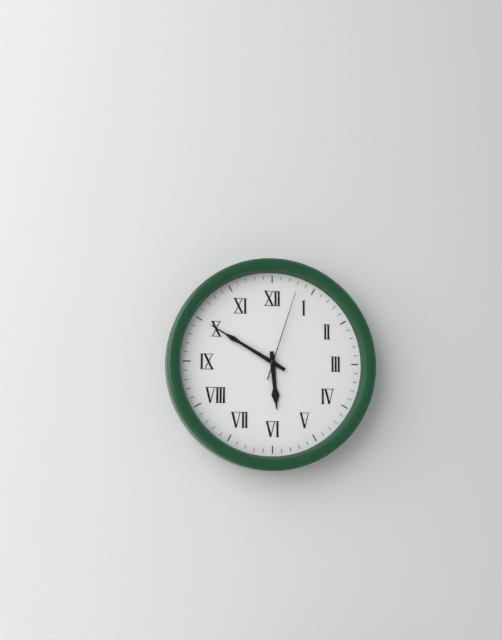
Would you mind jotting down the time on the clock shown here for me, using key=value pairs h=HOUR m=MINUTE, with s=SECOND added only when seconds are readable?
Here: h=5 m=50 s=3
